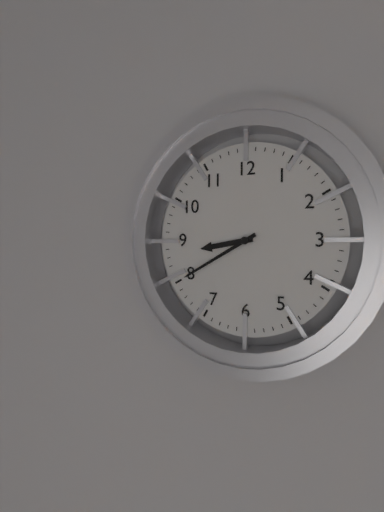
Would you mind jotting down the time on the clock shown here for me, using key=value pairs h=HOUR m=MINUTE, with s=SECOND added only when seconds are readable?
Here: h=8 m=40
